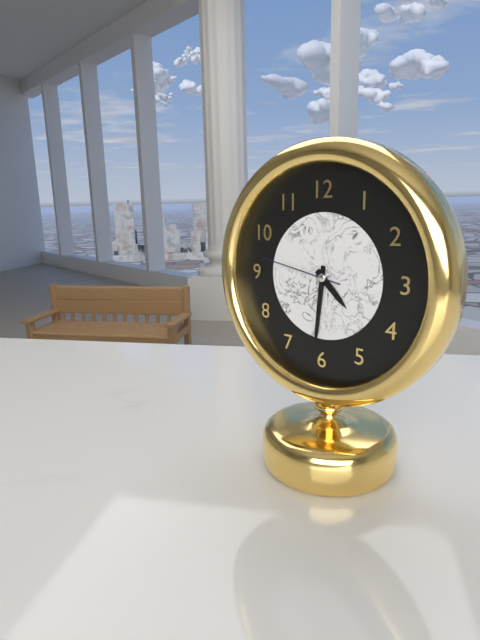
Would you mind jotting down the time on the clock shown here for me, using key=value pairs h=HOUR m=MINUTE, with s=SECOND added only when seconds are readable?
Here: h=4 m=31 s=47
